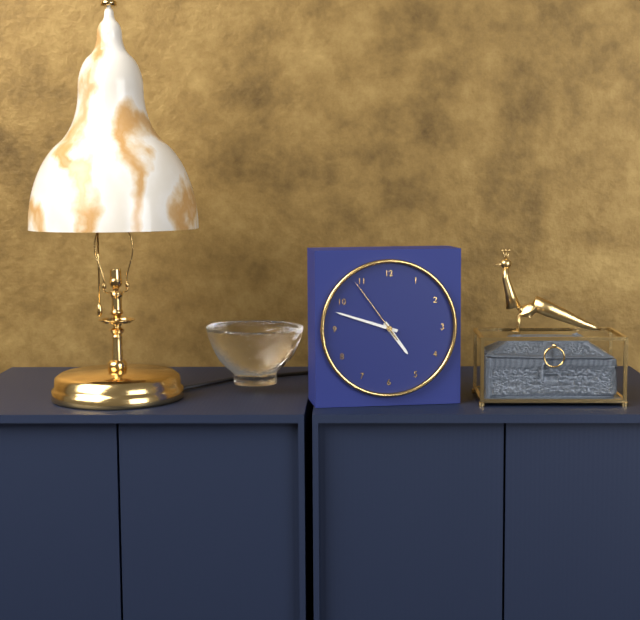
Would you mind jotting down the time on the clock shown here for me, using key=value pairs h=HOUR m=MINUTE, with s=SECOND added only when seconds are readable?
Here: h=4 m=48 s=54
